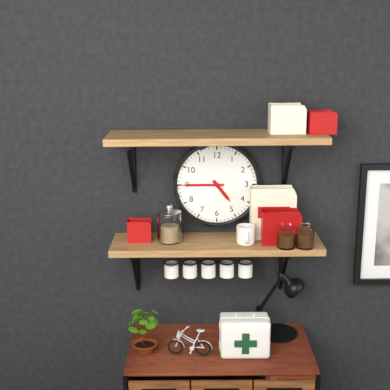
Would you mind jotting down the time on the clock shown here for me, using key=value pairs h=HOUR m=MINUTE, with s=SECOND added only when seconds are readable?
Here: h=4 m=45
